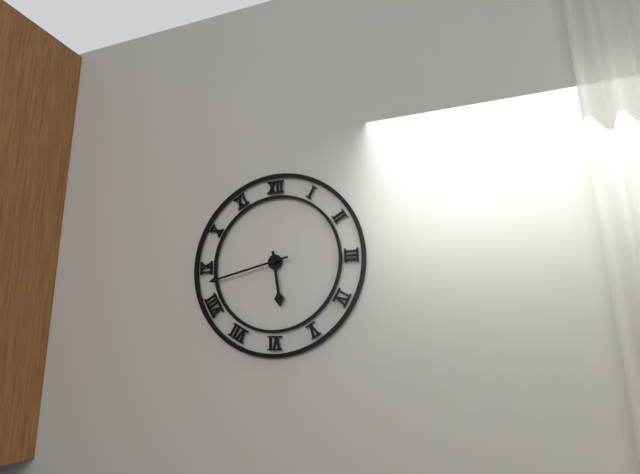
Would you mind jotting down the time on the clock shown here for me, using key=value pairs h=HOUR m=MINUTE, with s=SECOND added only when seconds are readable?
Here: h=5 m=43
